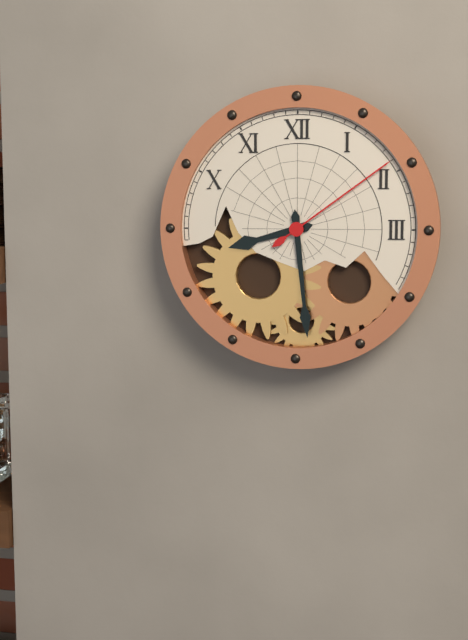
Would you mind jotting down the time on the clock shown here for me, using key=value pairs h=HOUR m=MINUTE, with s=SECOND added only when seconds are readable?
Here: h=8 m=29 s=9
